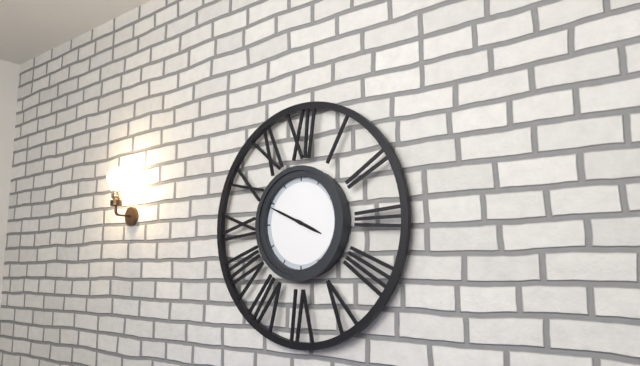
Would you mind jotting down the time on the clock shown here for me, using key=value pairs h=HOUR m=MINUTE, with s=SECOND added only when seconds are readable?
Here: h=3 m=49
